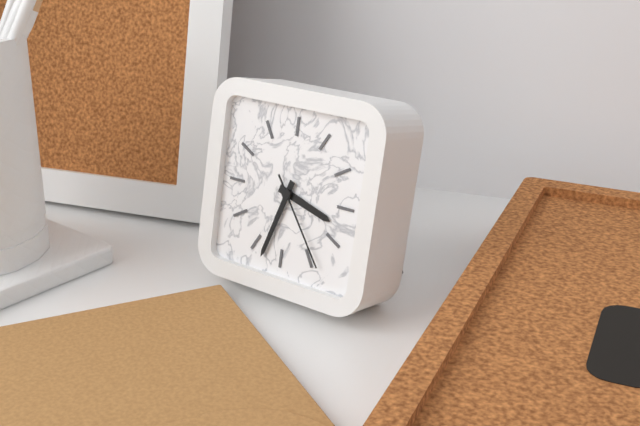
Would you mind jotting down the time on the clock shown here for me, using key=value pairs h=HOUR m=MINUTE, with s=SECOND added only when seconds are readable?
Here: h=3 m=33 s=24
